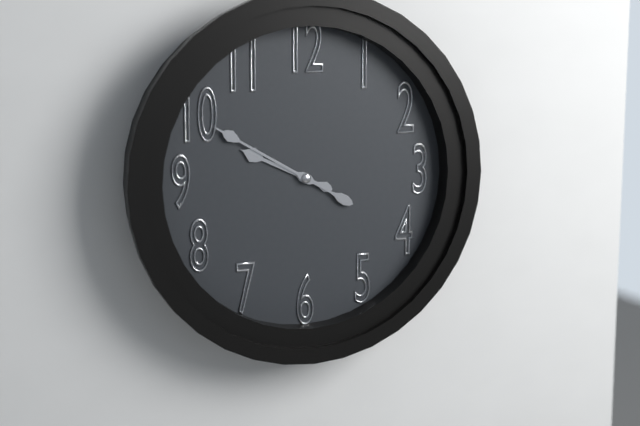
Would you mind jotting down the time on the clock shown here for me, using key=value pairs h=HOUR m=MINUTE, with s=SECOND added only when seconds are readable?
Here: h=9 m=50
